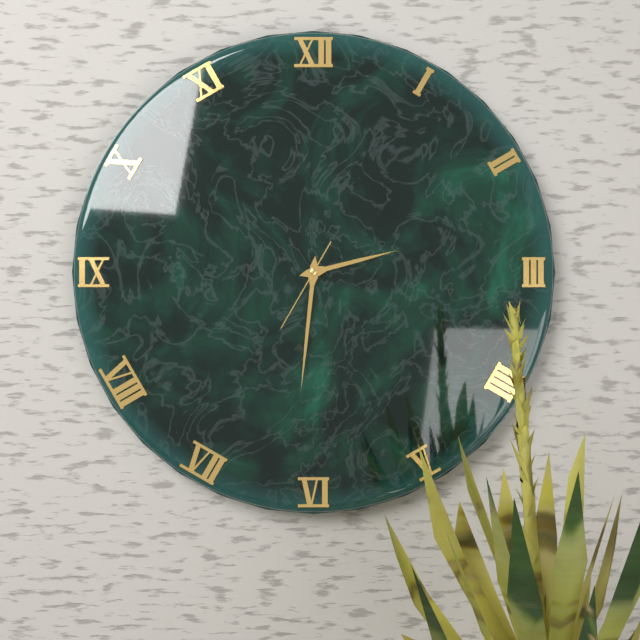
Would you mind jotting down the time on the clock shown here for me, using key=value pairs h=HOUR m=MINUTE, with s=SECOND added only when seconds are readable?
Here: h=2 m=31 s=35
